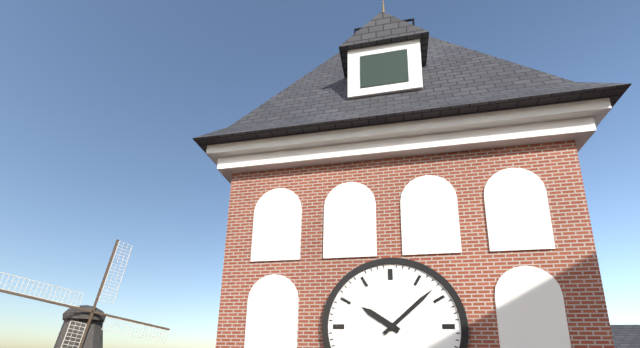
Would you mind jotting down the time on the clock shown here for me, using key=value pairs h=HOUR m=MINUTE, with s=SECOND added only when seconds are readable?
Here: h=10 m=8
